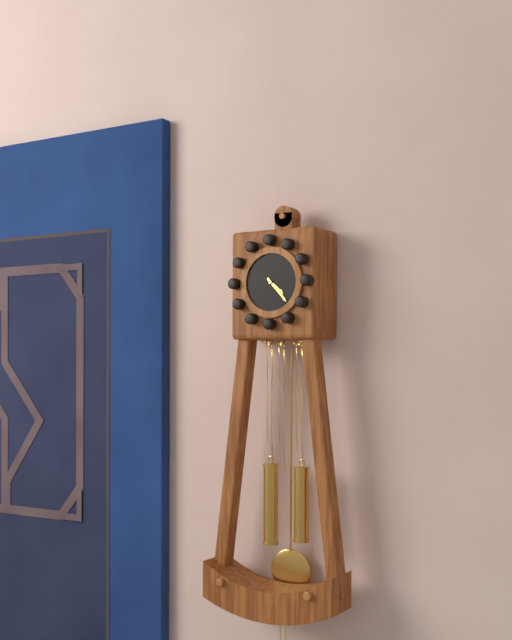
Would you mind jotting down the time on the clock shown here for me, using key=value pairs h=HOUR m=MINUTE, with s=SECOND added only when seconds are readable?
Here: h=4 m=23
